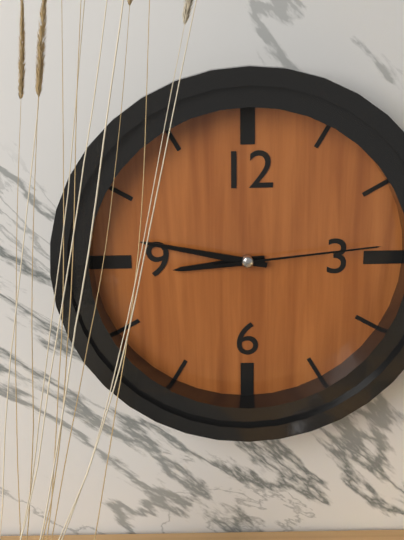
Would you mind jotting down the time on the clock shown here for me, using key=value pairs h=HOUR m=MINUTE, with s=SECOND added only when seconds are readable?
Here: h=8 m=47 s=14
